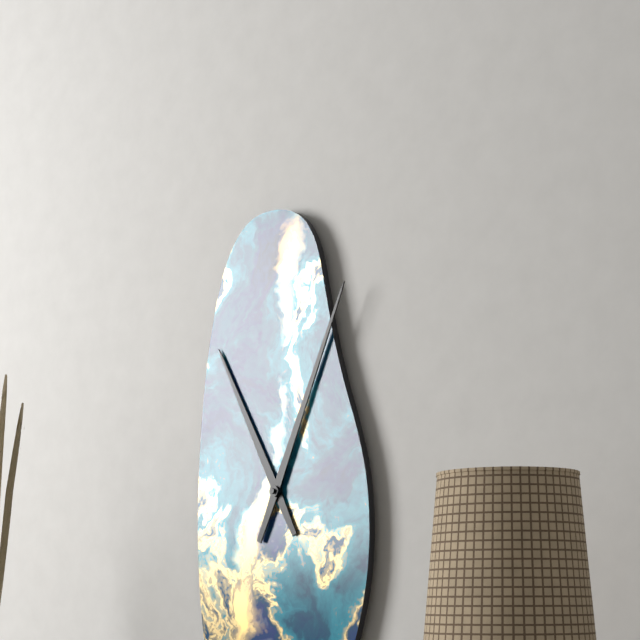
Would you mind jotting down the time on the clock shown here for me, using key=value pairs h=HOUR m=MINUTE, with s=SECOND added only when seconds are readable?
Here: h=11 m=4
